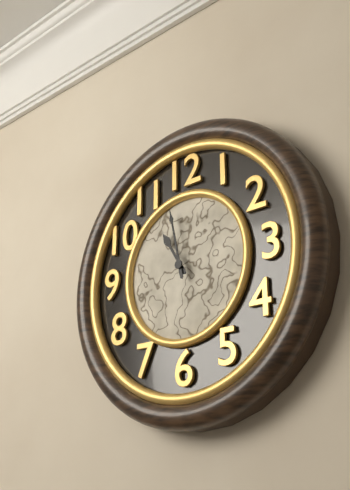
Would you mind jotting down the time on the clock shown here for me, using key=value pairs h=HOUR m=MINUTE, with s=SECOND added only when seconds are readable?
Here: h=10 m=58
